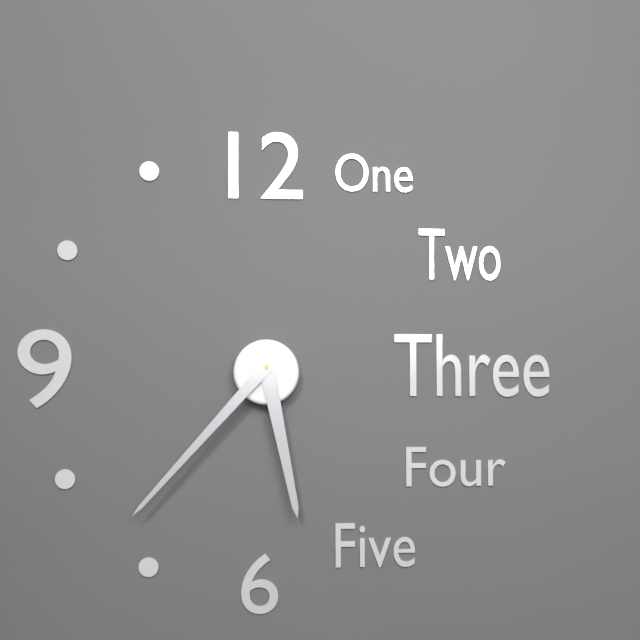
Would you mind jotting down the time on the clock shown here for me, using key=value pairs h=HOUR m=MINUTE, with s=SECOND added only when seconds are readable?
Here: h=5 m=37
